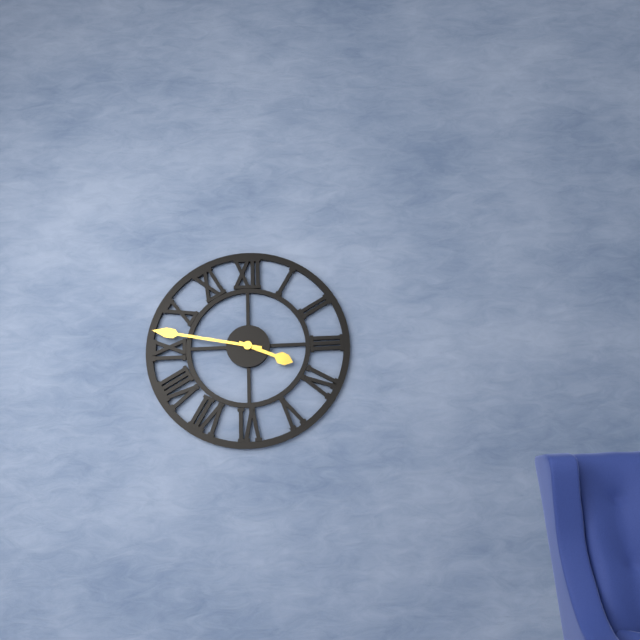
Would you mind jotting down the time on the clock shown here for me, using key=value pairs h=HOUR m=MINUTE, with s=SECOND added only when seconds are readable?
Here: h=3 m=47
